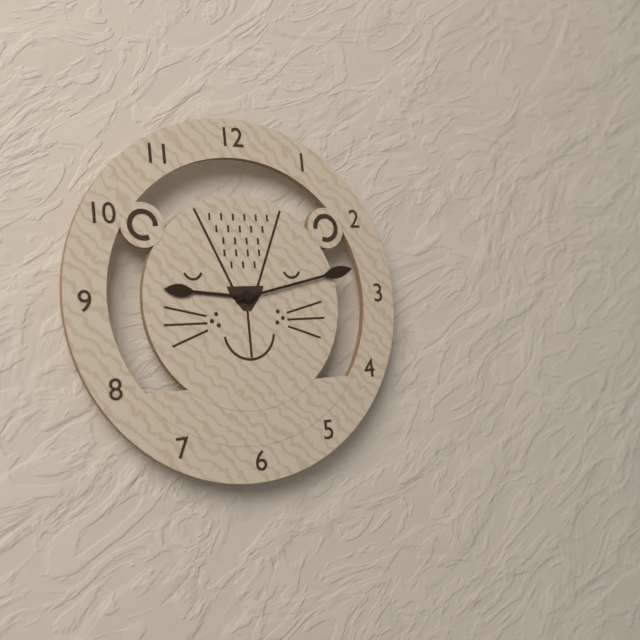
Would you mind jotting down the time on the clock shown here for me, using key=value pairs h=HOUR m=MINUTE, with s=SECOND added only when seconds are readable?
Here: h=9 m=13
